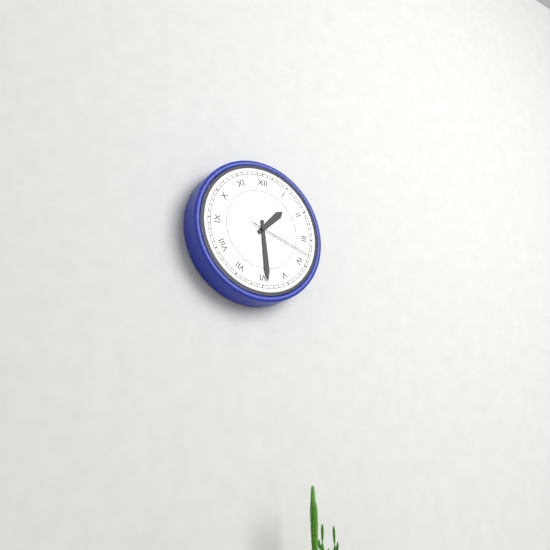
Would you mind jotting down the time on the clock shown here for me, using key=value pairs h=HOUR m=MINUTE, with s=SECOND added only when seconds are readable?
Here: h=1 m=29 s=18
